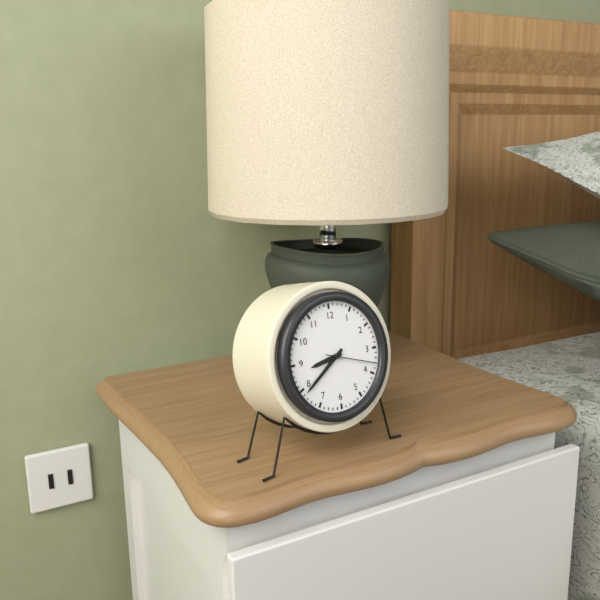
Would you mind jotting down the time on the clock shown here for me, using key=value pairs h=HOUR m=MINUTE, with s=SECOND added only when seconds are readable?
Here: h=8 m=39 s=18
